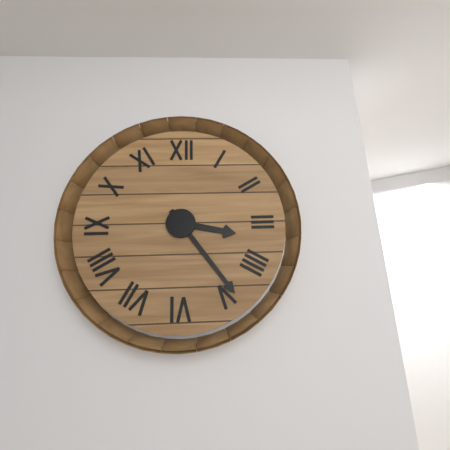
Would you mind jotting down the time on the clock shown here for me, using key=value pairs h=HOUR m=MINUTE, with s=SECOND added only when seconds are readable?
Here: h=3 m=24
